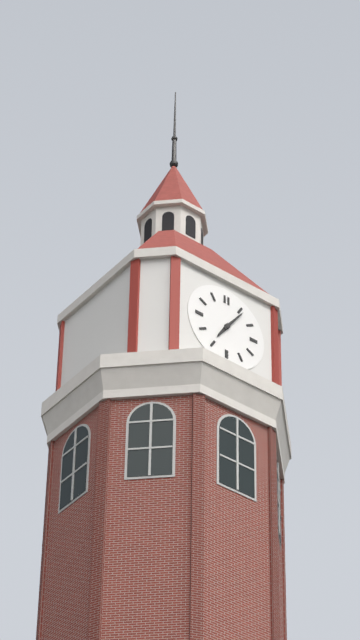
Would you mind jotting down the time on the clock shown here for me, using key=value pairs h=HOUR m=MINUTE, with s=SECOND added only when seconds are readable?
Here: h=7 m=6
